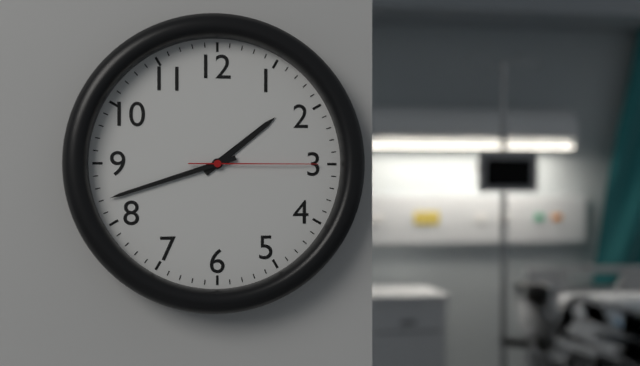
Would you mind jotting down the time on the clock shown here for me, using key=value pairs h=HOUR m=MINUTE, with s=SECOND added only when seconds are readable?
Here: h=1 m=42 s=15
